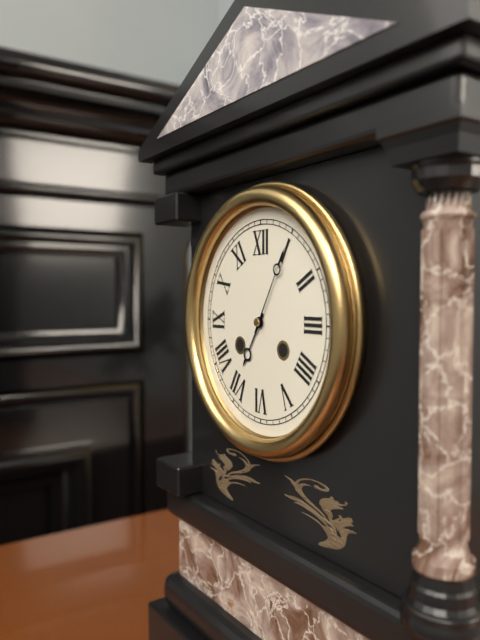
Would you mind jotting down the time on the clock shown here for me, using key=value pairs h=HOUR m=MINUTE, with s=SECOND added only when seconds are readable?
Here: h=7 m=5
